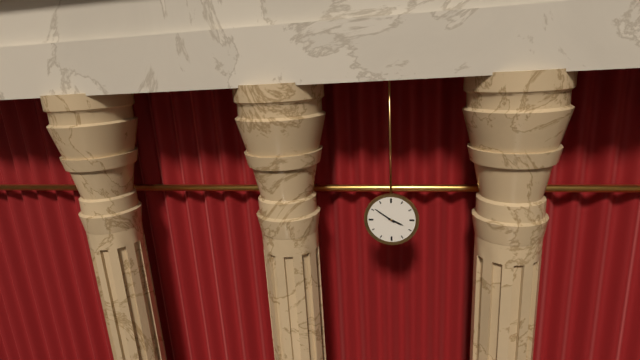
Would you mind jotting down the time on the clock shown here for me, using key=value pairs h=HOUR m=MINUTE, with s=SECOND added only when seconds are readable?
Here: h=3 m=51
